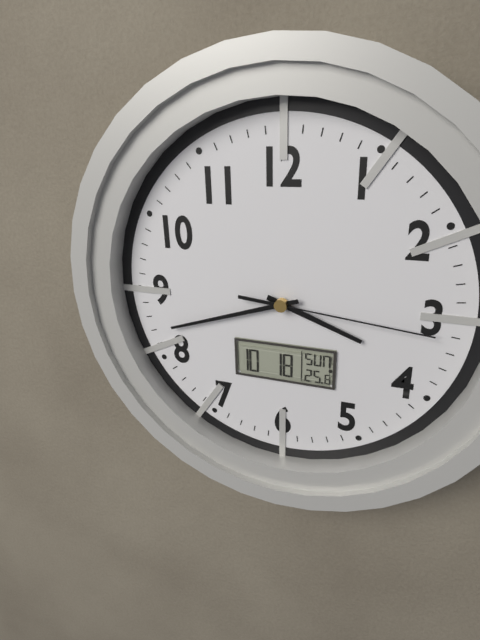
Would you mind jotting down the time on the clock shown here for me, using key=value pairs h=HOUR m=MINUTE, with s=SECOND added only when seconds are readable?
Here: h=3 m=42 s=16
